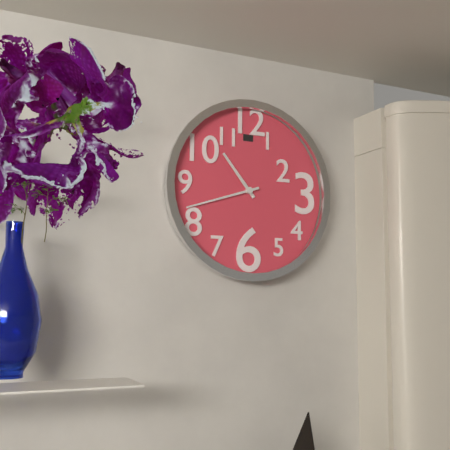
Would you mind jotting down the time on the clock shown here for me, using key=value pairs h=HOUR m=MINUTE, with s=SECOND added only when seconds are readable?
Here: h=10 m=42
